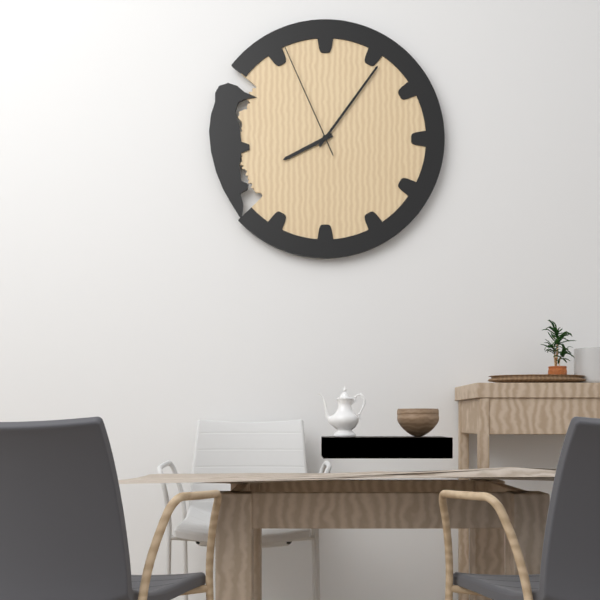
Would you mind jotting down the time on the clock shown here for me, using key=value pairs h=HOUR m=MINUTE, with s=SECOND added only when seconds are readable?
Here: h=8 m=6 s=56
